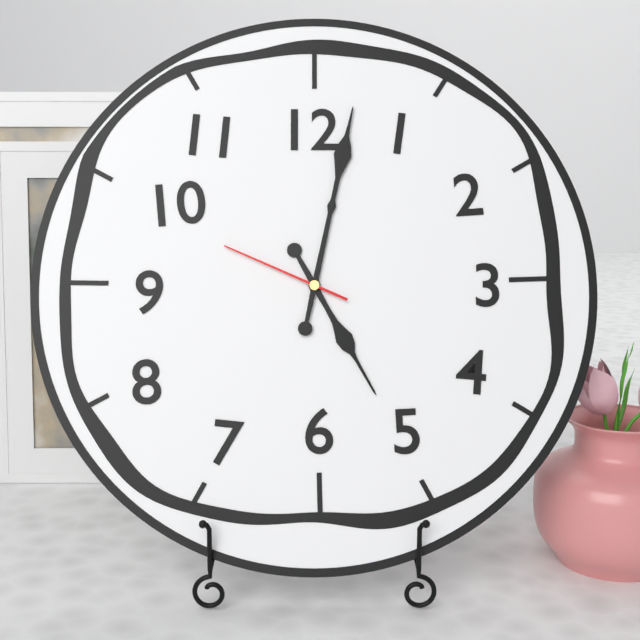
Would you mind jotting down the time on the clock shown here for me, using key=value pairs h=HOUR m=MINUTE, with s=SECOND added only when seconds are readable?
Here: h=5 m=2 s=49
